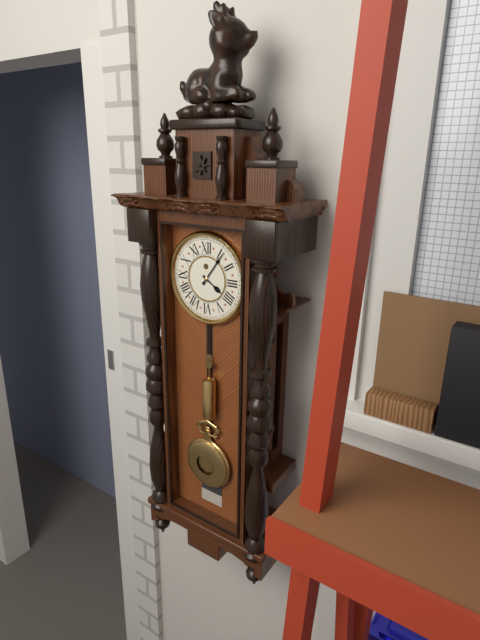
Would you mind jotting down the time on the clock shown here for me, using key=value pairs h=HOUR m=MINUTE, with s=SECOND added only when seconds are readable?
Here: h=4 m=6
